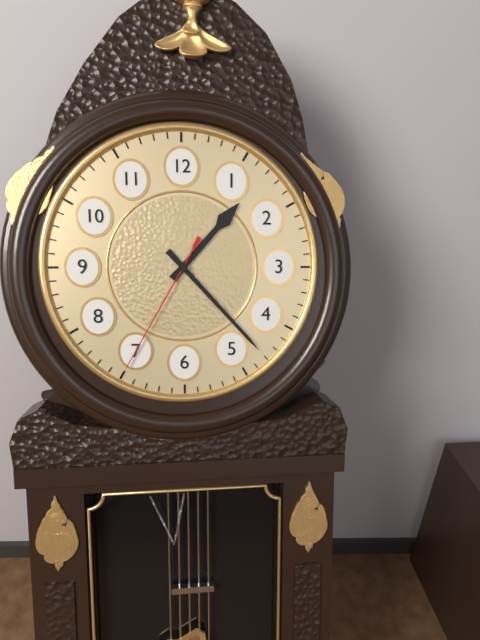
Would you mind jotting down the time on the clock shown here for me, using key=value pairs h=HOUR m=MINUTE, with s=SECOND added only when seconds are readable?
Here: h=1 m=23 s=35
